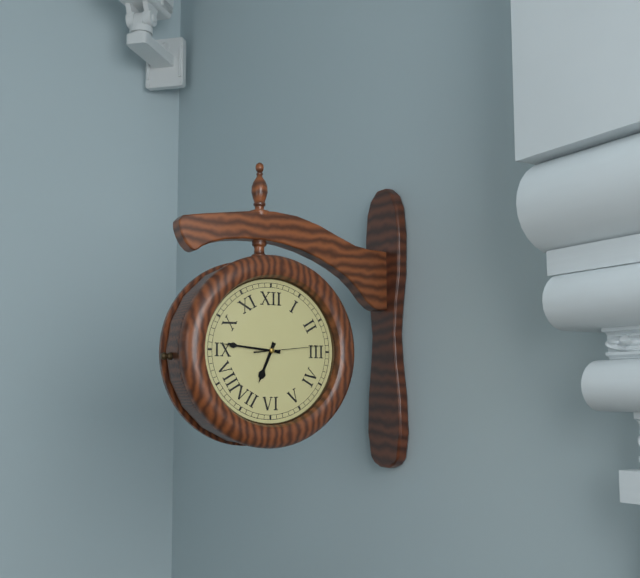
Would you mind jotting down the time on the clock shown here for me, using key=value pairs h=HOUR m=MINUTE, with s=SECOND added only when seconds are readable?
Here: h=6 m=46 s=14
